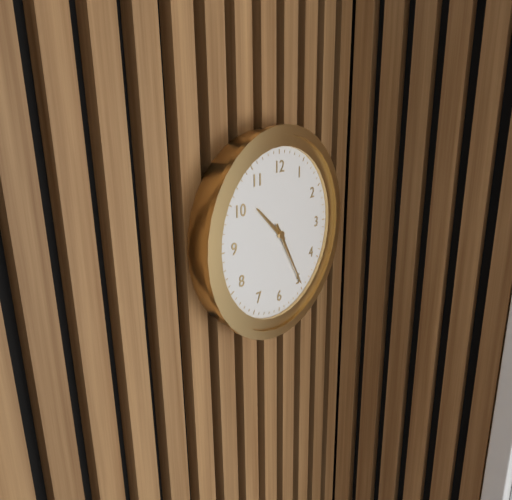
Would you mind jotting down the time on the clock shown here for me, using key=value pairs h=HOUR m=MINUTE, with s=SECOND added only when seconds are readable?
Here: h=10 m=25
